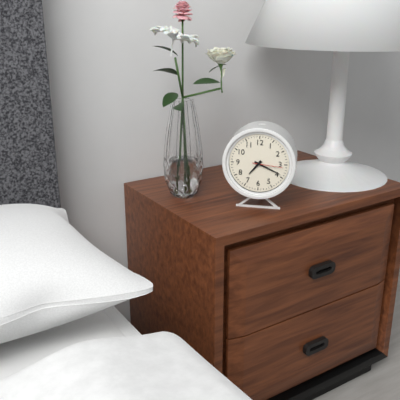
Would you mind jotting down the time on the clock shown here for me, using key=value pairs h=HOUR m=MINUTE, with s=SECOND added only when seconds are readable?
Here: h=7 m=19
